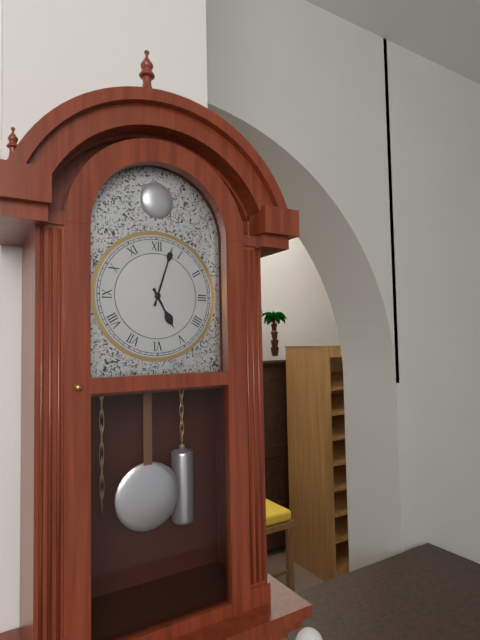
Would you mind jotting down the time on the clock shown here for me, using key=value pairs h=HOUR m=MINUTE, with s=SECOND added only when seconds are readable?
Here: h=5 m=3
